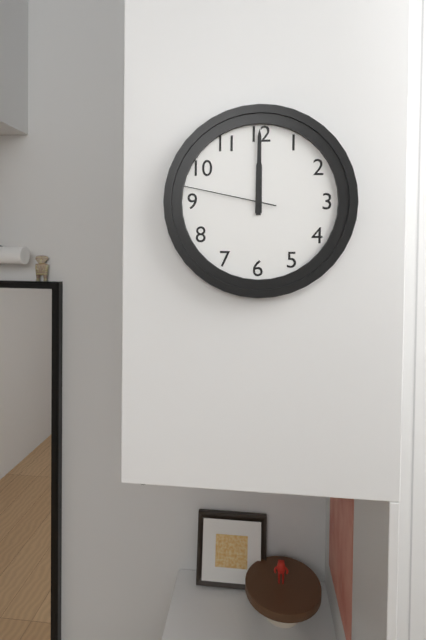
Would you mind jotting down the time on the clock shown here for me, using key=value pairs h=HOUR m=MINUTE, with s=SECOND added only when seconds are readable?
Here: h=12 m=0 s=47
